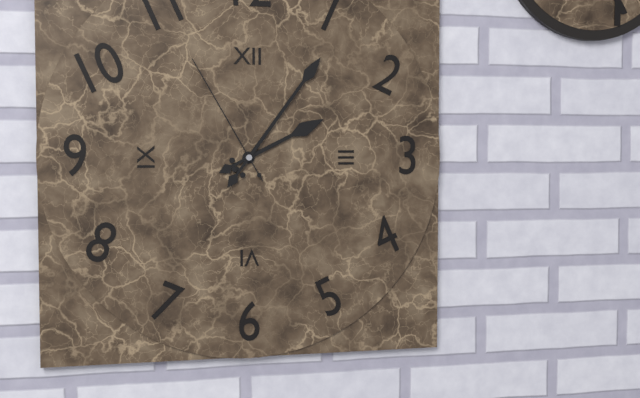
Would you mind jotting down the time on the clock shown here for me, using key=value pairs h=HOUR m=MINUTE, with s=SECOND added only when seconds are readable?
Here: h=2 m=6 s=55
